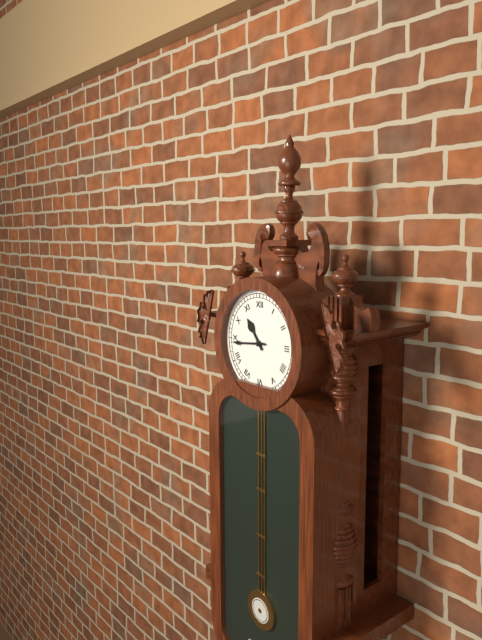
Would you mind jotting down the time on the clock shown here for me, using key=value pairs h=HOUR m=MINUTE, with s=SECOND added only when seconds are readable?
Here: h=10 m=44
